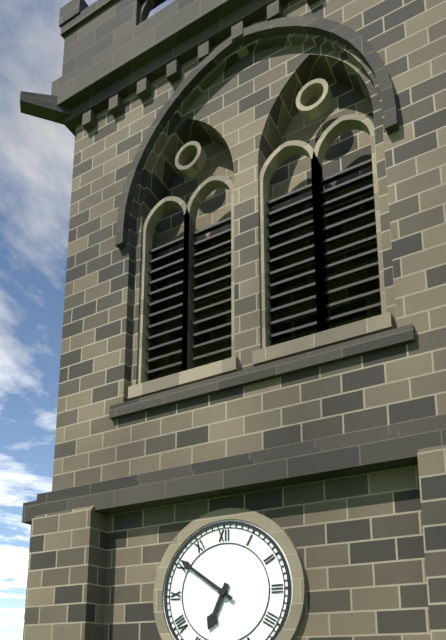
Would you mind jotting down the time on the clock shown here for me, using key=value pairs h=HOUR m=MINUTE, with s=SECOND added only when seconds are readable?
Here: h=6 m=51
